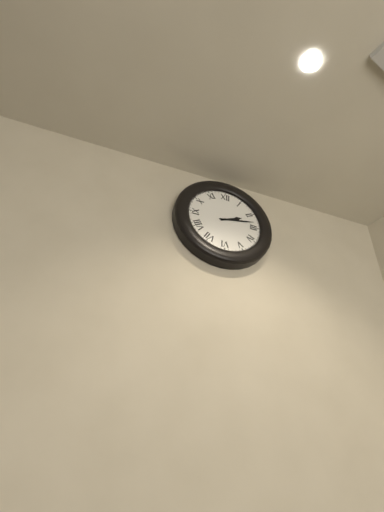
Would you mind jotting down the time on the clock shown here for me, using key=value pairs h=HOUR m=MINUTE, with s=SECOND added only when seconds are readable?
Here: h=2 m=13
